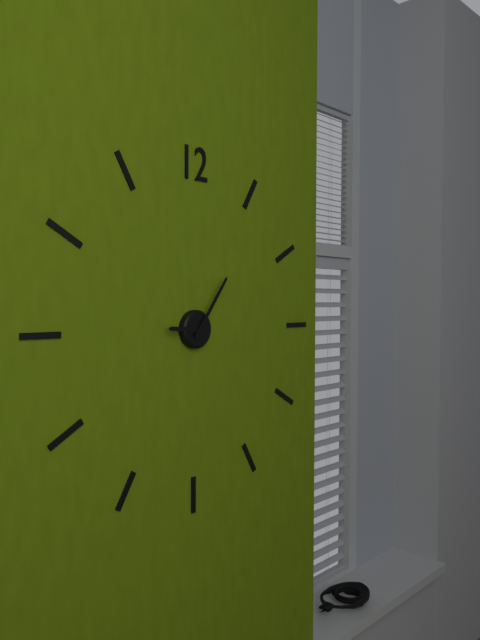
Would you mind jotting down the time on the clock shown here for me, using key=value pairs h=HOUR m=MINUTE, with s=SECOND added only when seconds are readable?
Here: h=9 m=6
